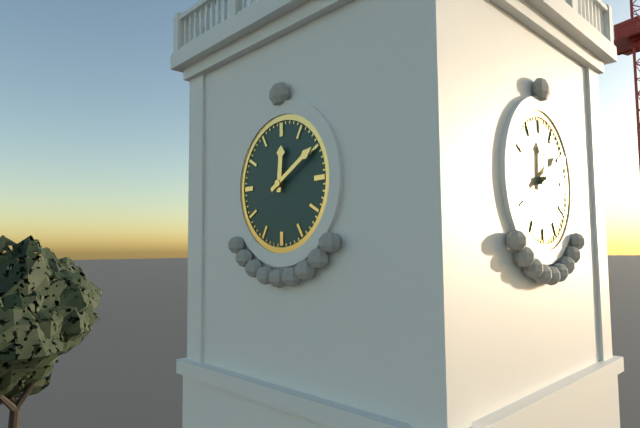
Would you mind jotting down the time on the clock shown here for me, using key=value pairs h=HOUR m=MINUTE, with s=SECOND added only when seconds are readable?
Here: h=12 m=10
